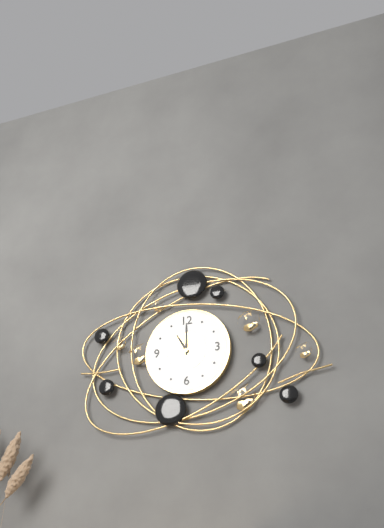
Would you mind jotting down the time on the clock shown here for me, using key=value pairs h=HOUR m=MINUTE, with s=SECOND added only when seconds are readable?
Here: h=11 m=0
